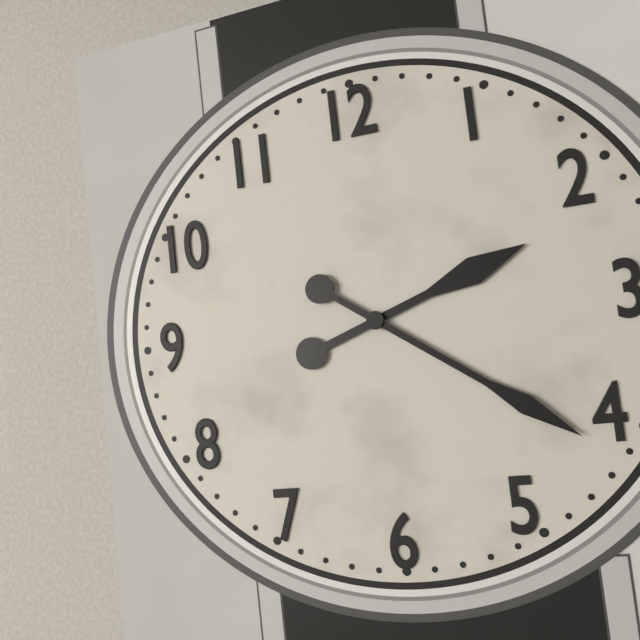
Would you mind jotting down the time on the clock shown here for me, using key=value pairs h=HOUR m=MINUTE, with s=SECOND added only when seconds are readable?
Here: h=2 m=21
